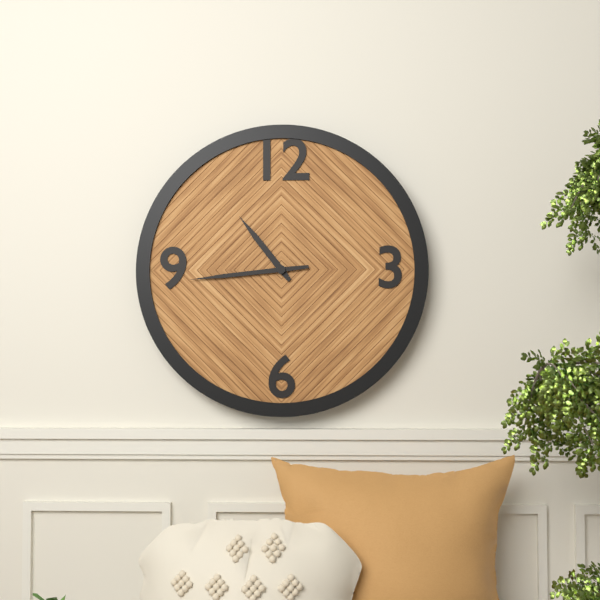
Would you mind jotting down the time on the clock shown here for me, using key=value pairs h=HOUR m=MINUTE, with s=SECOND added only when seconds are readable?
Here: h=10 m=44
